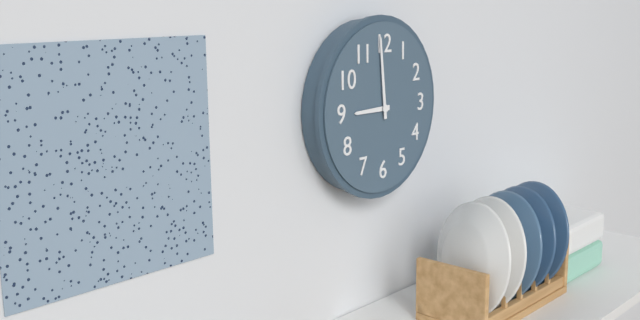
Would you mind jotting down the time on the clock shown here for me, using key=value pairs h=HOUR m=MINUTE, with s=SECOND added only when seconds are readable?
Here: h=8 m=59
